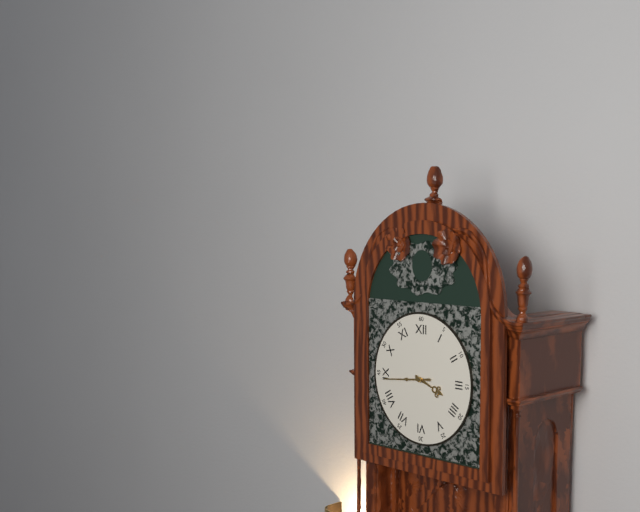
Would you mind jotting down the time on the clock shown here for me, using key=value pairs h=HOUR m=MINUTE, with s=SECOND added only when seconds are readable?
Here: h=3 m=44
